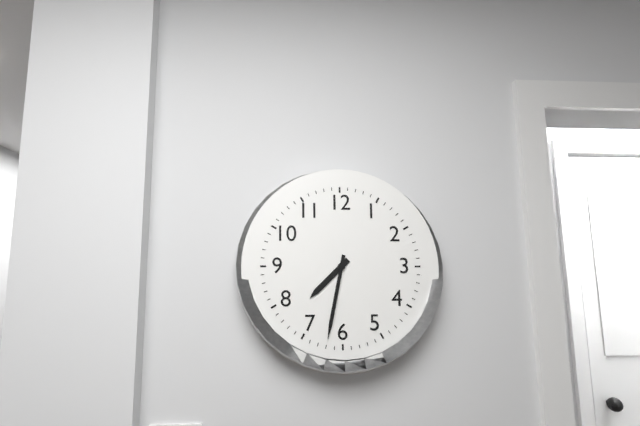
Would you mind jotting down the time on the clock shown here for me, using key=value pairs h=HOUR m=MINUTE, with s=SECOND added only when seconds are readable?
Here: h=7 m=32
